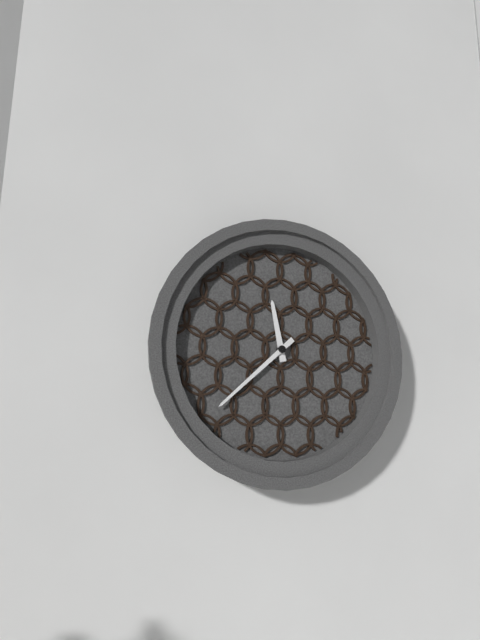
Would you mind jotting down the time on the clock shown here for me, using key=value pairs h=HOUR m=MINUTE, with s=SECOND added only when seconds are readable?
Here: h=11 m=38
